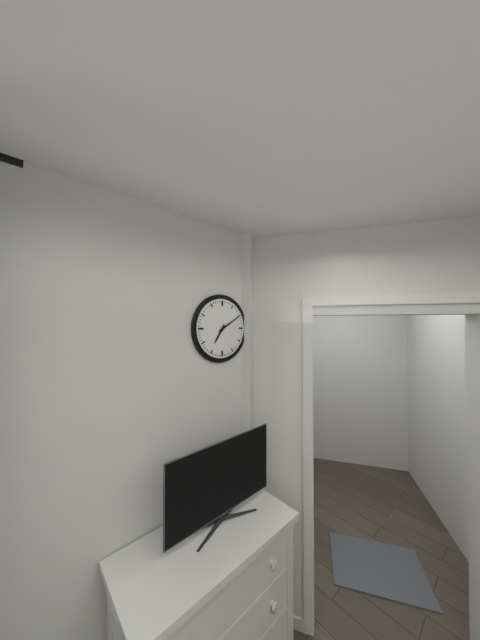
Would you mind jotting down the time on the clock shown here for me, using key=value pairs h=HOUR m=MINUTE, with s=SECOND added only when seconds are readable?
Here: h=7 m=10
